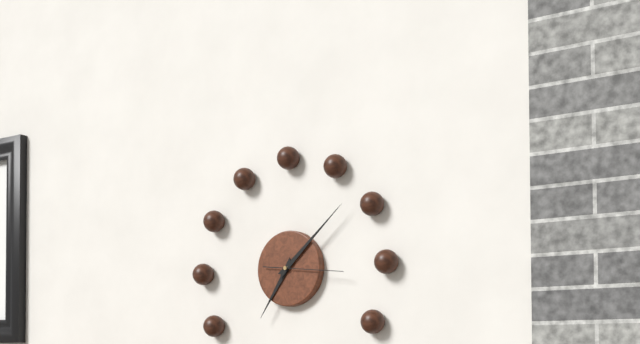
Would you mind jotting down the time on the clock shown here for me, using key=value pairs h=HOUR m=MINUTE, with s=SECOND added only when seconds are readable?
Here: h=7 m=8 s=16
